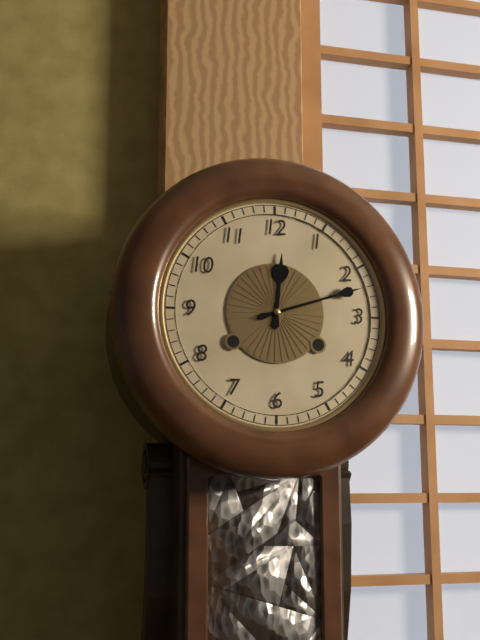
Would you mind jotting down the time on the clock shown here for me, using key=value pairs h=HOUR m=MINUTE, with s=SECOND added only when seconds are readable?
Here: h=12 m=12
